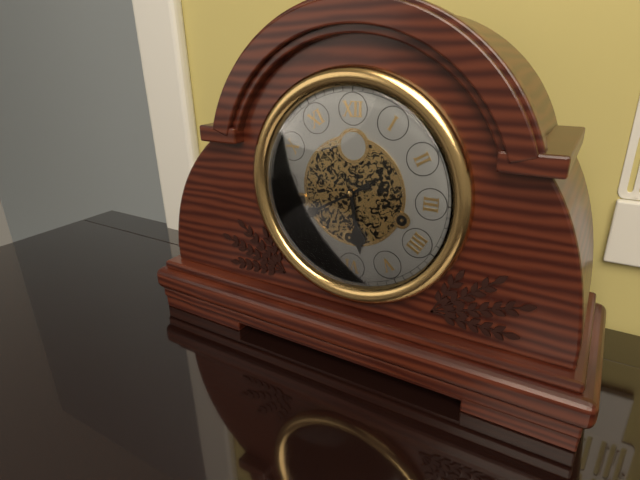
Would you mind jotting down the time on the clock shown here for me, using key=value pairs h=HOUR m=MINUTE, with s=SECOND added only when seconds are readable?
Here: h=5 m=40
